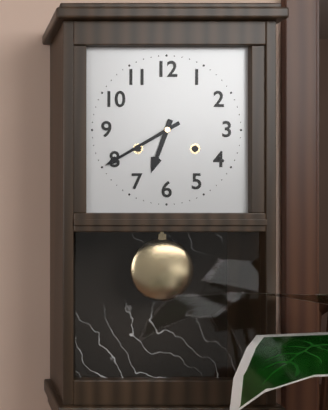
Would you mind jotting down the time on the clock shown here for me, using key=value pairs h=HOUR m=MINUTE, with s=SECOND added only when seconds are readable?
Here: h=6 m=40
